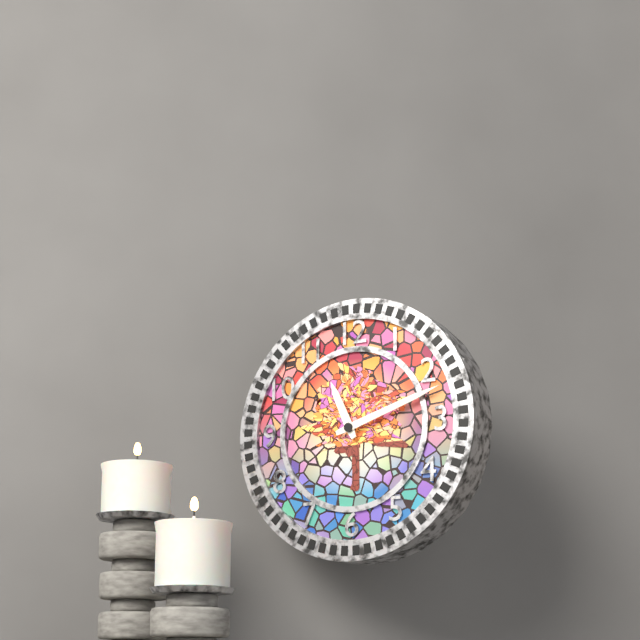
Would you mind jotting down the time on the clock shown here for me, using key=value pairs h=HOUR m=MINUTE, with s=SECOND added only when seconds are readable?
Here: h=11 m=12
